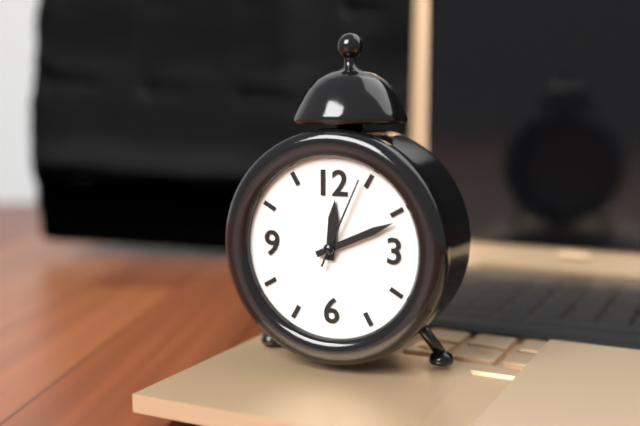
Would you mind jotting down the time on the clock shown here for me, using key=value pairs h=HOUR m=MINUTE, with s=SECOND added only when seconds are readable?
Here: h=12 m=11 s=4
